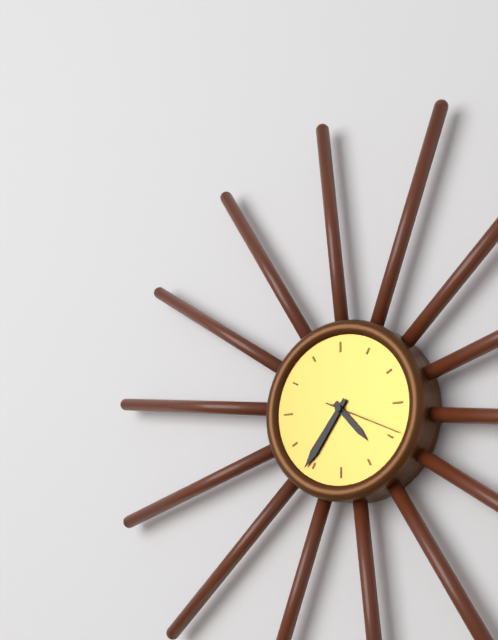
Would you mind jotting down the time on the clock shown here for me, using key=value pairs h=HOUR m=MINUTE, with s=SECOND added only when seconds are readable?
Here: h=4 m=36 s=19
